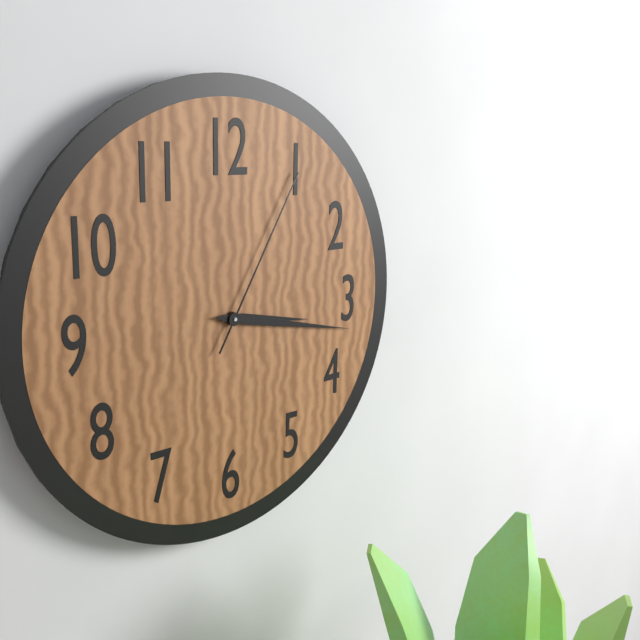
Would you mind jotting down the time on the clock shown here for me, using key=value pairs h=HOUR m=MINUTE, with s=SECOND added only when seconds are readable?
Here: h=3 m=17 s=5
